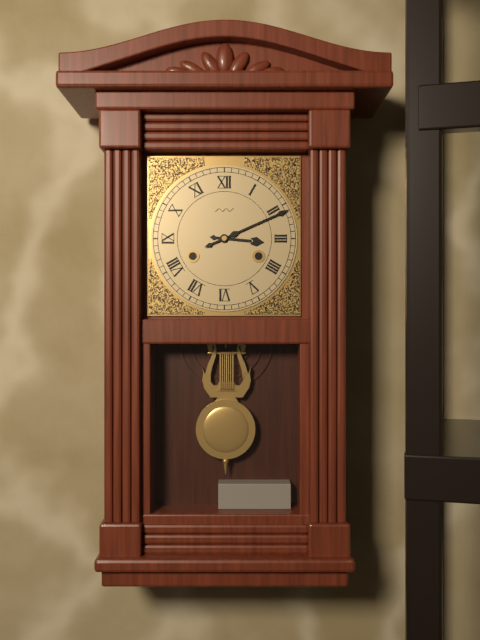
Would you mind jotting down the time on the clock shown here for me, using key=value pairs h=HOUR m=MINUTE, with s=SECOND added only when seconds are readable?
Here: h=3 m=11
